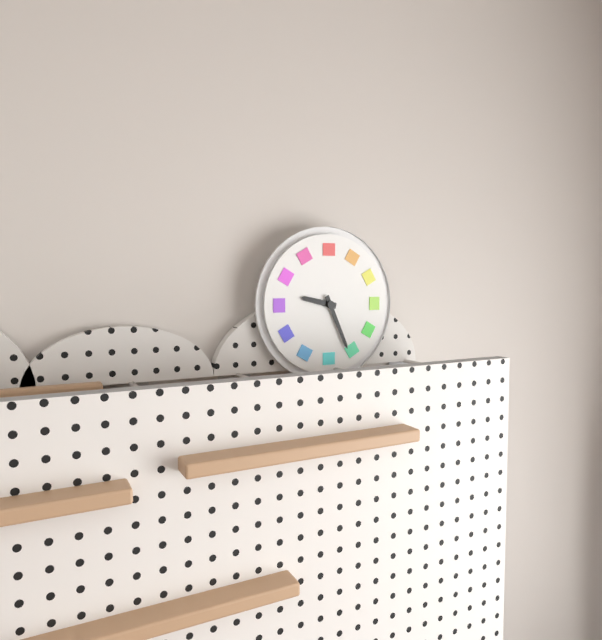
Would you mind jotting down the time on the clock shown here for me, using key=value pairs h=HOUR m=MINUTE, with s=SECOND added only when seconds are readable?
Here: h=9 m=26
